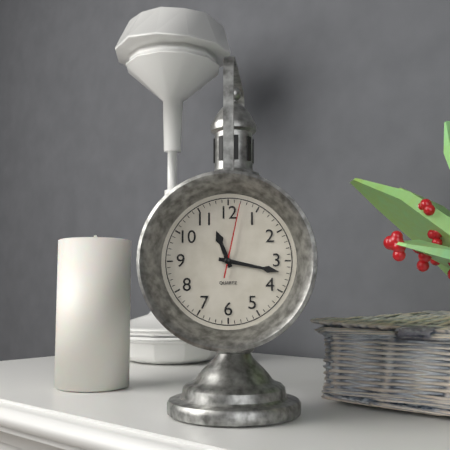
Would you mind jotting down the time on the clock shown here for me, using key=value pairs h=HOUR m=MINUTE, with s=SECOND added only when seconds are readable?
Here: h=11 m=17 s=2
